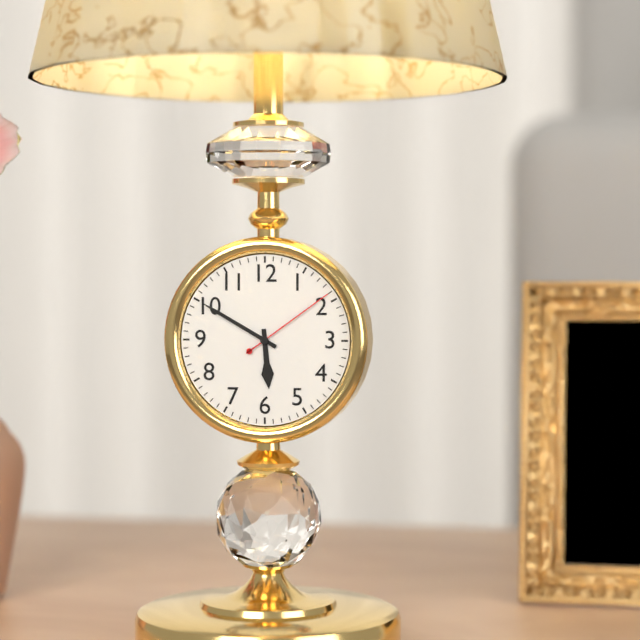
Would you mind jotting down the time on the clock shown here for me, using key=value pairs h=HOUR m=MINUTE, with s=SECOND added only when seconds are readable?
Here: h=5 m=50 s=9
